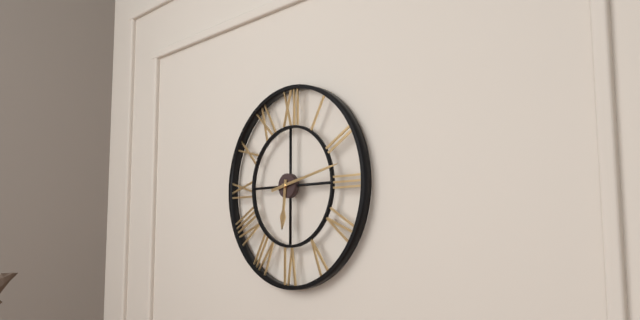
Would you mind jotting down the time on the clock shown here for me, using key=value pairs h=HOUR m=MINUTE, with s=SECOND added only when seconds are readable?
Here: h=6 m=13
